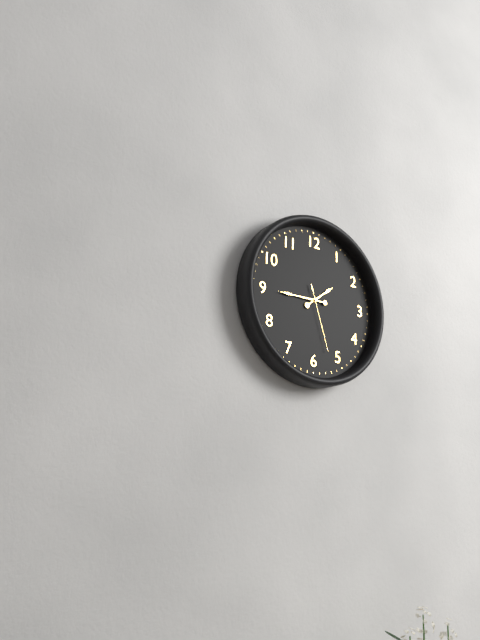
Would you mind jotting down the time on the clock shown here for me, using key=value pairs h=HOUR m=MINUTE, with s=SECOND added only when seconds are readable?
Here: h=1 m=45 s=27
